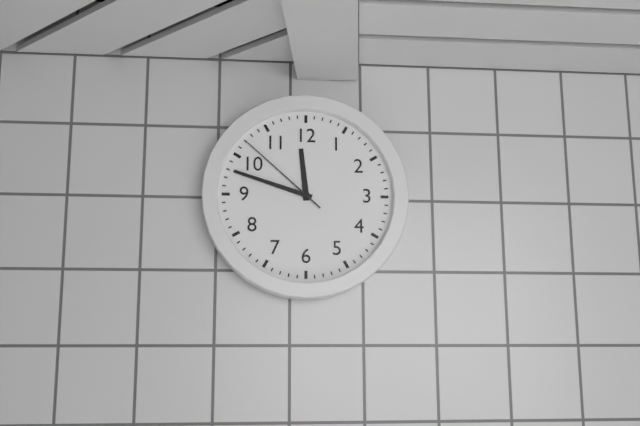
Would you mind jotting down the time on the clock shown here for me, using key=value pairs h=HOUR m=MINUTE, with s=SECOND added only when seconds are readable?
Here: h=11 m=48 s=52
